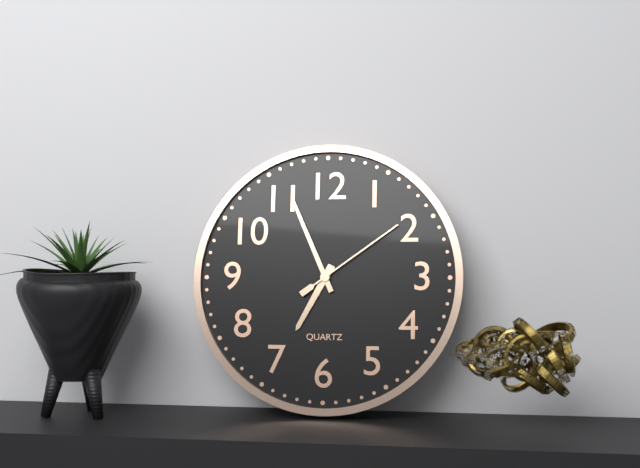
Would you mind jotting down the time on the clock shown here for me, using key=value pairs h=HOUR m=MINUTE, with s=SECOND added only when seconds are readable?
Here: h=6 m=56 s=9
